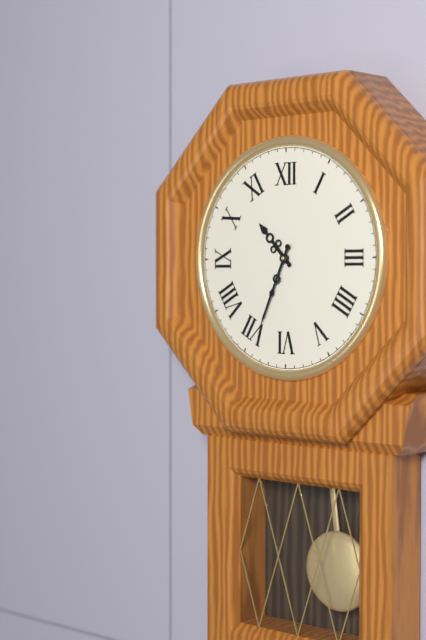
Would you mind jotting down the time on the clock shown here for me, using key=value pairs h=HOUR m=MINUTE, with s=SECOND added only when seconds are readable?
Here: h=10 m=34
